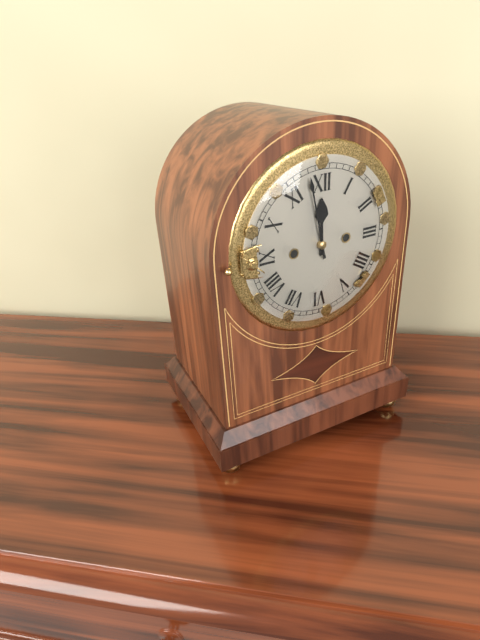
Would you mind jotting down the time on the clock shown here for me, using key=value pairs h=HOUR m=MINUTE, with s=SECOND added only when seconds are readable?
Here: h=11 m=58
